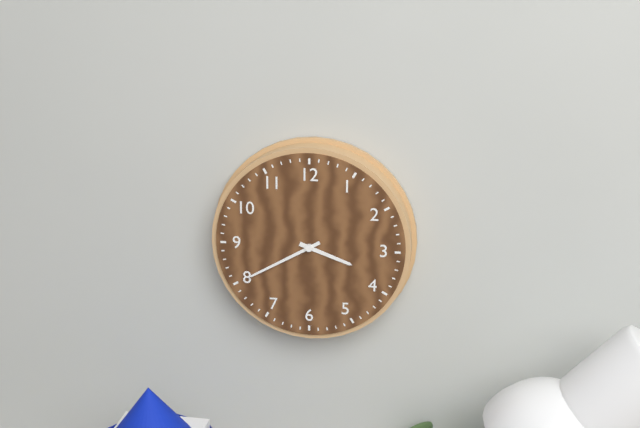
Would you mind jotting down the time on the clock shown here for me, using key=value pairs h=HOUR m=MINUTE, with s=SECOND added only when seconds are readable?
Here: h=3 m=40
